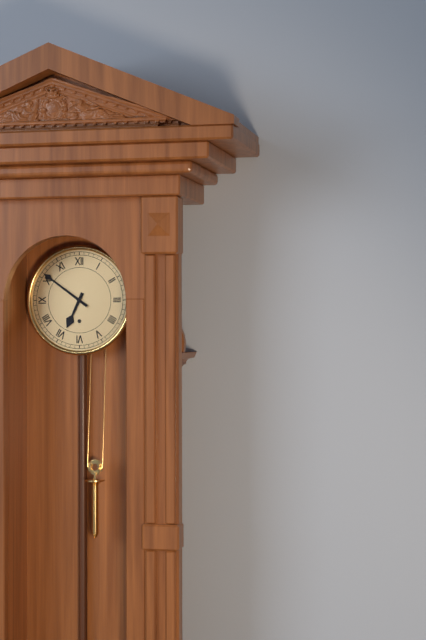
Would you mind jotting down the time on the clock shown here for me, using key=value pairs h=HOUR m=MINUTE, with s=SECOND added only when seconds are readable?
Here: h=6 m=51
